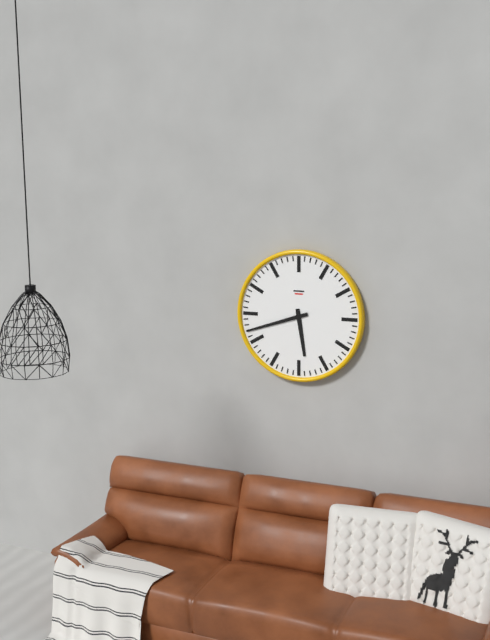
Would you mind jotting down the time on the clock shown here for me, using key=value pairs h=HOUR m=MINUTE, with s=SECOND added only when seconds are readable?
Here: h=5 m=42
